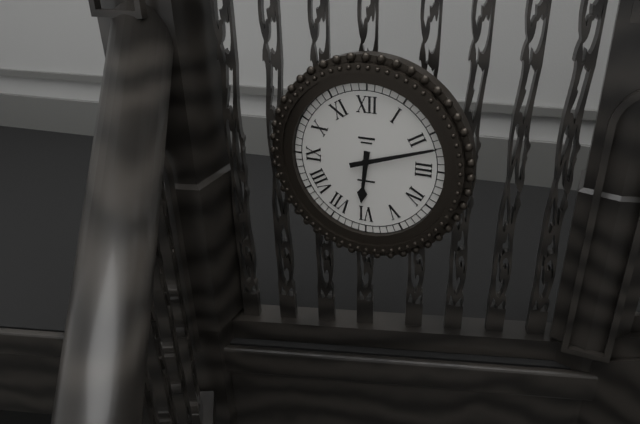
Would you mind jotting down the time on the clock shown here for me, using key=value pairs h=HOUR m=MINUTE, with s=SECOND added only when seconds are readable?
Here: h=6 m=12
